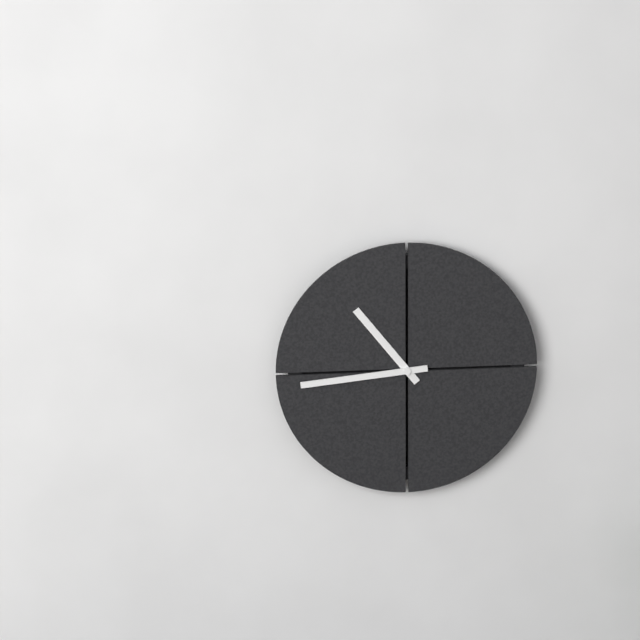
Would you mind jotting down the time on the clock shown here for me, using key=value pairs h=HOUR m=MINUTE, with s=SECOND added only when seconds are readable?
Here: h=10 m=44
